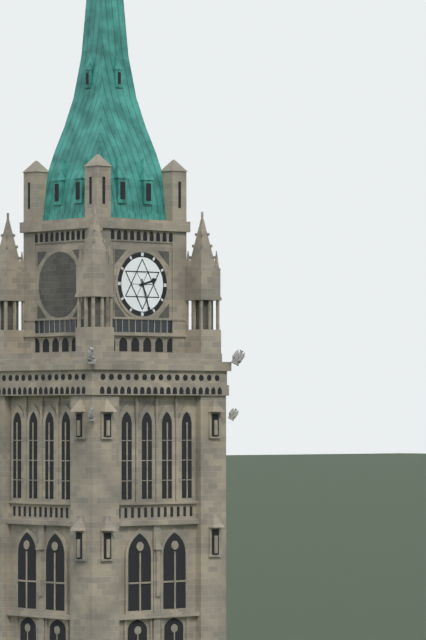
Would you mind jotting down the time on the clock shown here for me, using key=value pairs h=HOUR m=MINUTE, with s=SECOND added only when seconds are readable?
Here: h=2 m=27
